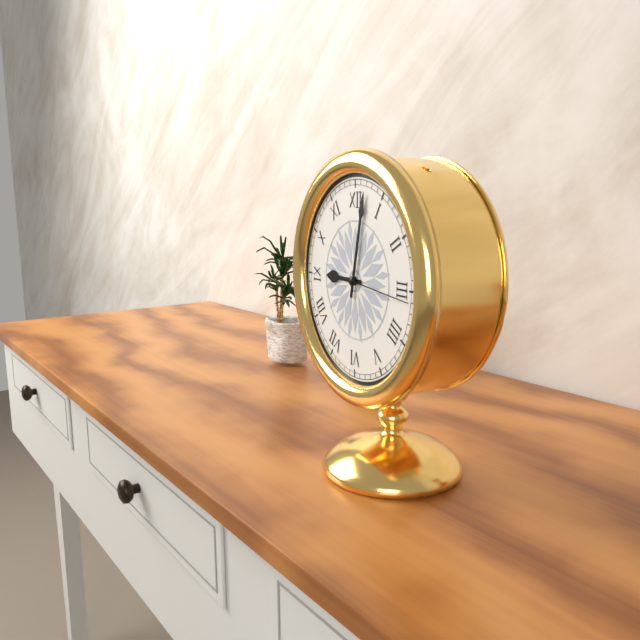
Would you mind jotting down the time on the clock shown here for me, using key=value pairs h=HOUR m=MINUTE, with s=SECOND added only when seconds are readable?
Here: h=9 m=2 s=16
